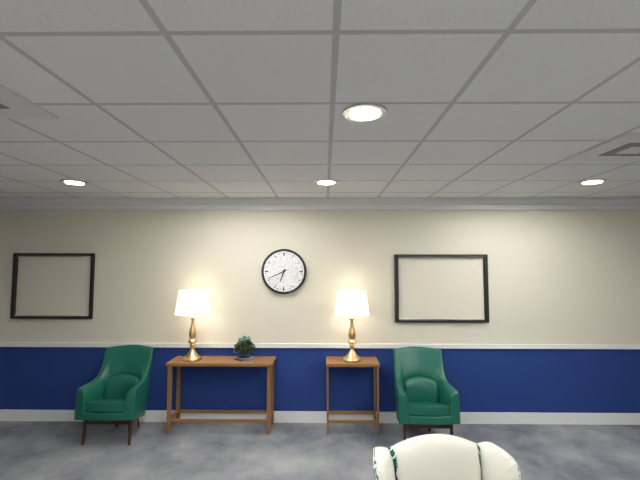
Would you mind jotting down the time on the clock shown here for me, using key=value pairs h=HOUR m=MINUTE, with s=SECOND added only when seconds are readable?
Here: h=6 m=41
